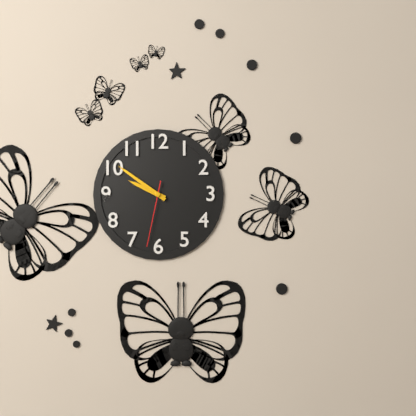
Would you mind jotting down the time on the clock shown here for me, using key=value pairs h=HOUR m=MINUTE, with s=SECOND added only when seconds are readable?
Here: h=9 m=51 s=32
